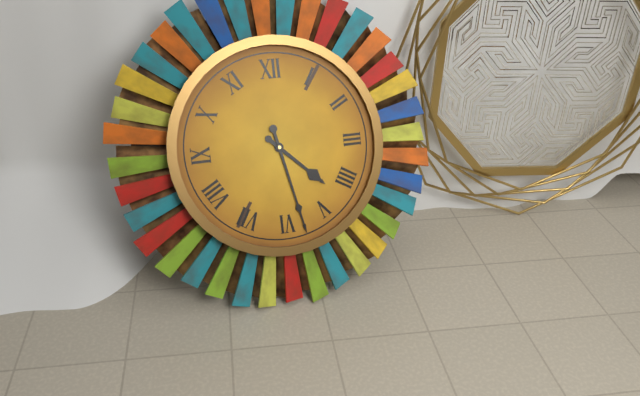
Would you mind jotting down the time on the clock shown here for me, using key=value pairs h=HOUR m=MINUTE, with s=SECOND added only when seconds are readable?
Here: h=4 m=28
